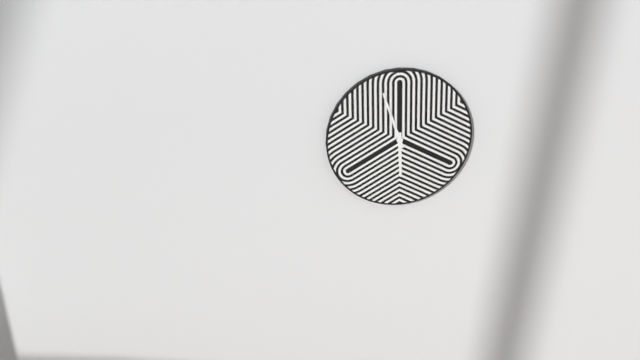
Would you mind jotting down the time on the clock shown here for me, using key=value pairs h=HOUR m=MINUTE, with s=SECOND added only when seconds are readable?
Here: h=5 m=57
